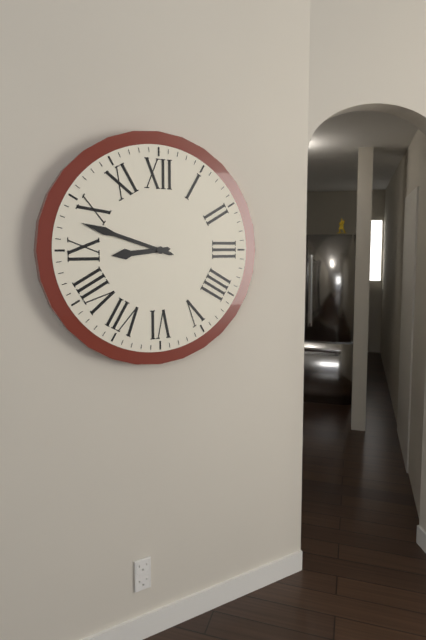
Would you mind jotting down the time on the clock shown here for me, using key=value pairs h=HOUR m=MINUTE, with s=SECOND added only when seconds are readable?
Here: h=8 m=48
